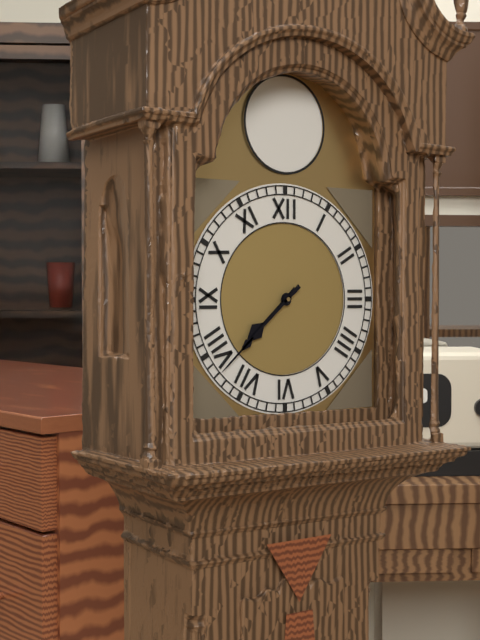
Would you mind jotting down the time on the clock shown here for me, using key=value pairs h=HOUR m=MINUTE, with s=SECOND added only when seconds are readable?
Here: h=7 m=38
